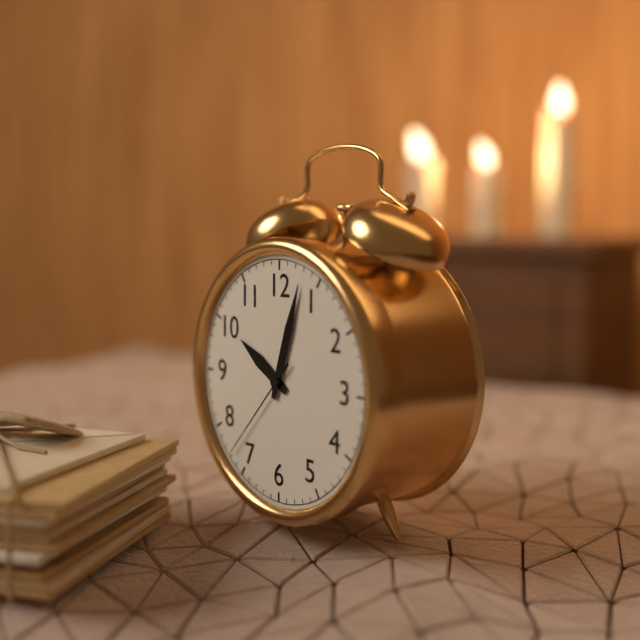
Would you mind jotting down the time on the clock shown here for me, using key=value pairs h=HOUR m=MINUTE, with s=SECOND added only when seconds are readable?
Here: h=10 m=3 s=37
